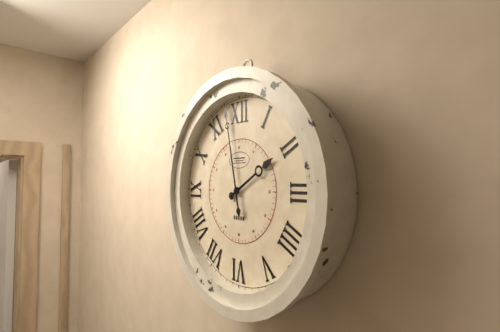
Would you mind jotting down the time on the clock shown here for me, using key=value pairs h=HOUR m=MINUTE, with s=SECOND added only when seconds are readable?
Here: h=1 m=58
